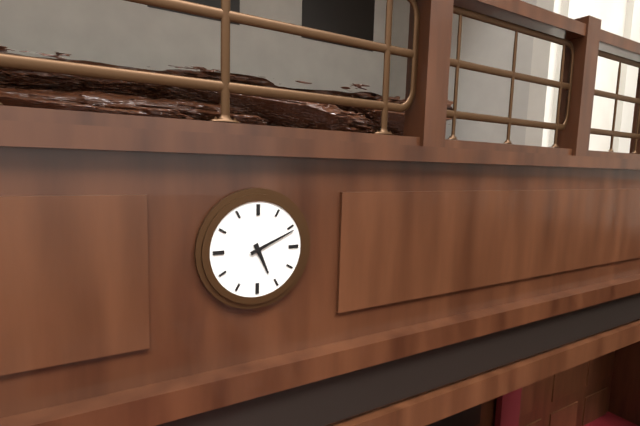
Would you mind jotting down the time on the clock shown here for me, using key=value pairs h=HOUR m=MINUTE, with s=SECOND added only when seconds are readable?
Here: h=5 m=11
